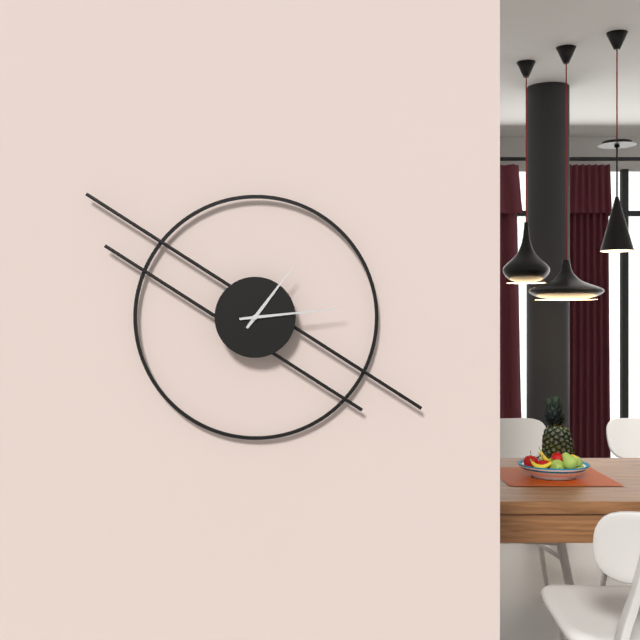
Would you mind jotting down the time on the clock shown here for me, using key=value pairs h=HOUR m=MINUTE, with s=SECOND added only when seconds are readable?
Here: h=1 m=14
